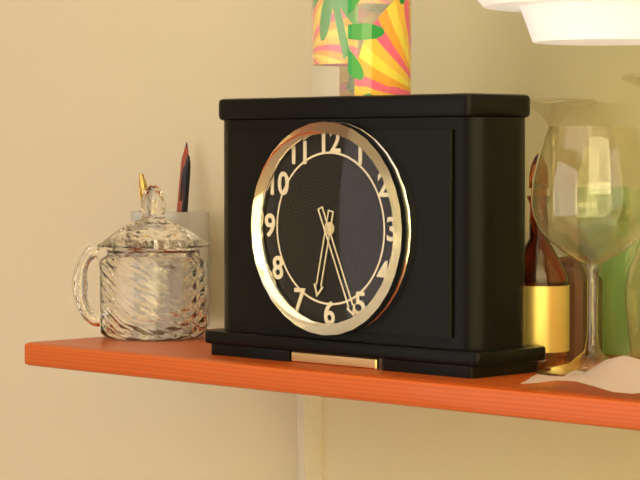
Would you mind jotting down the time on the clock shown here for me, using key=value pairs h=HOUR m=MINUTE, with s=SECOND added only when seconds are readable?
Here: h=6 m=26
